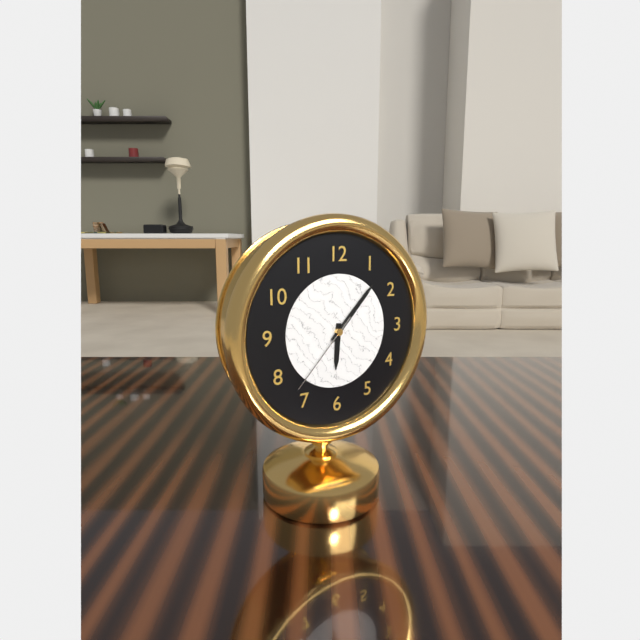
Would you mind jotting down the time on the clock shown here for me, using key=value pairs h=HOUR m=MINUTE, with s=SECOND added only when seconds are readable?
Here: h=6 m=7 s=37
